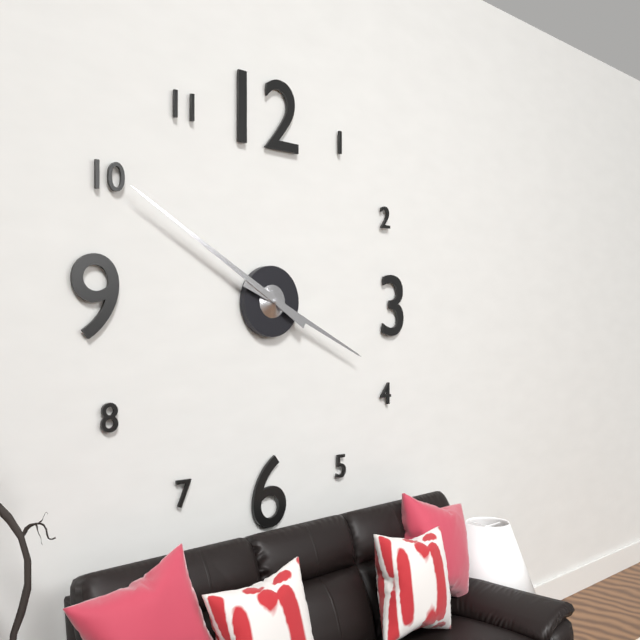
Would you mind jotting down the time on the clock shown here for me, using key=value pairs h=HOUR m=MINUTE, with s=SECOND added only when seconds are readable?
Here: h=3 m=50
